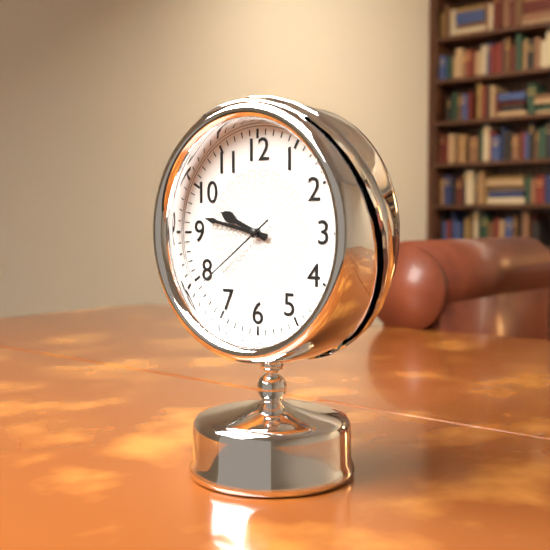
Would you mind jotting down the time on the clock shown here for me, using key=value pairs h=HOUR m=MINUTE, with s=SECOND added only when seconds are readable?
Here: h=9 m=47 s=39
